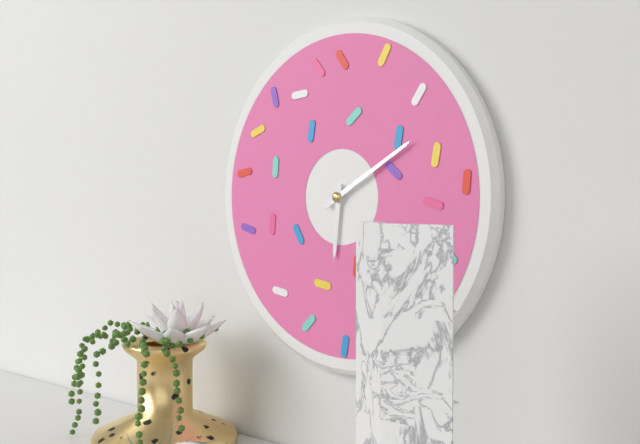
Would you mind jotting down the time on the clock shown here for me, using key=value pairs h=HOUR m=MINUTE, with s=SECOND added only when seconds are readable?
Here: h=6 m=10
